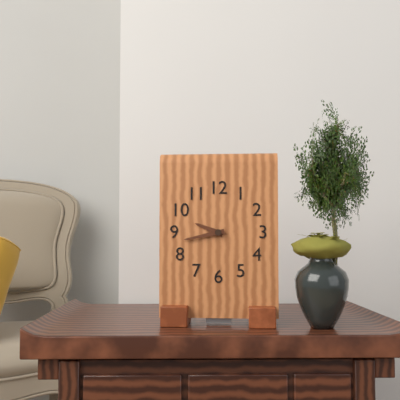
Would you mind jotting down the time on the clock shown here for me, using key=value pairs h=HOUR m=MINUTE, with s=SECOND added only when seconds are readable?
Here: h=9 m=43
